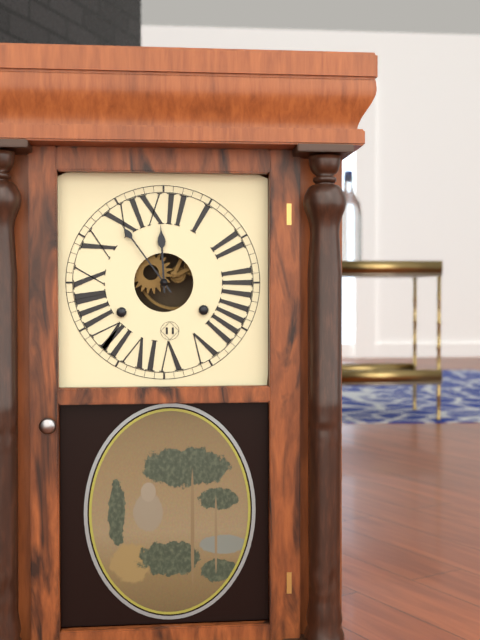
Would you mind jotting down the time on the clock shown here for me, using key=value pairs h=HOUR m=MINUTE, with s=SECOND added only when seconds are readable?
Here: h=11 m=54
